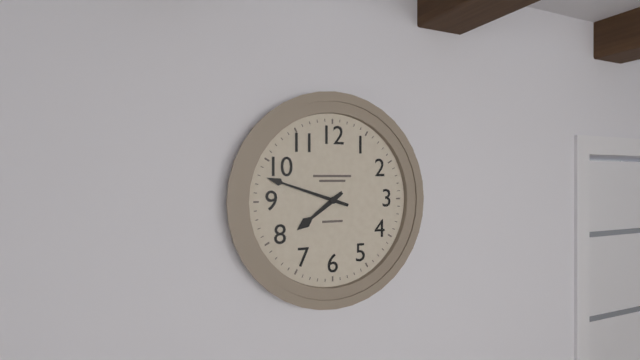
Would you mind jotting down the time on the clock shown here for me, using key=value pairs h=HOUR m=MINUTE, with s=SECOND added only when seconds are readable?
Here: h=7 m=48
